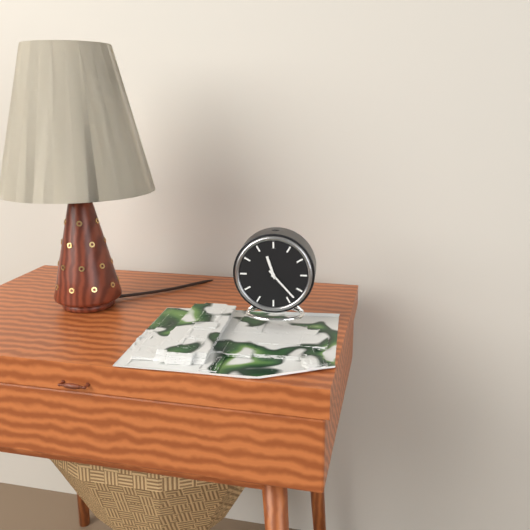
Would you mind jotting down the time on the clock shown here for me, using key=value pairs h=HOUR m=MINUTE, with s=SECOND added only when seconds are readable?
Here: h=11 m=23
